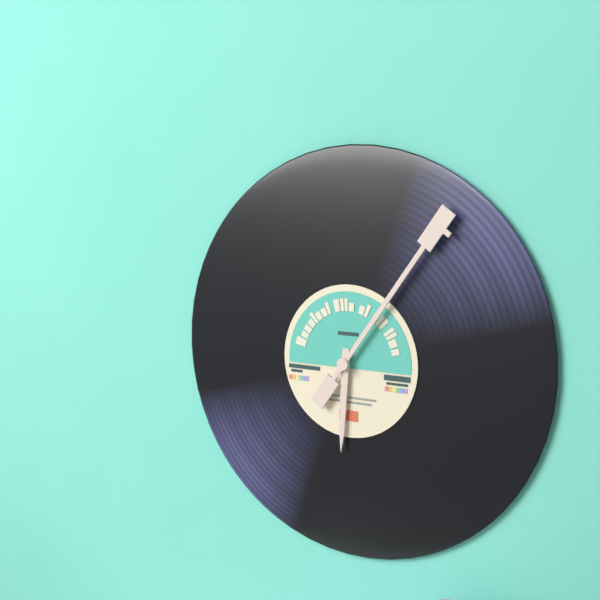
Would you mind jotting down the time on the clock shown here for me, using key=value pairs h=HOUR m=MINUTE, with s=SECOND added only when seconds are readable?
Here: h=6 m=6
